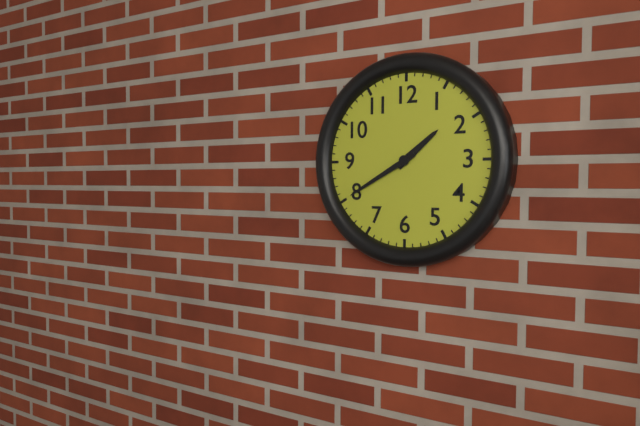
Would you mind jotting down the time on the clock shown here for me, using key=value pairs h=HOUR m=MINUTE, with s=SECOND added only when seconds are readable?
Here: h=1 m=40
